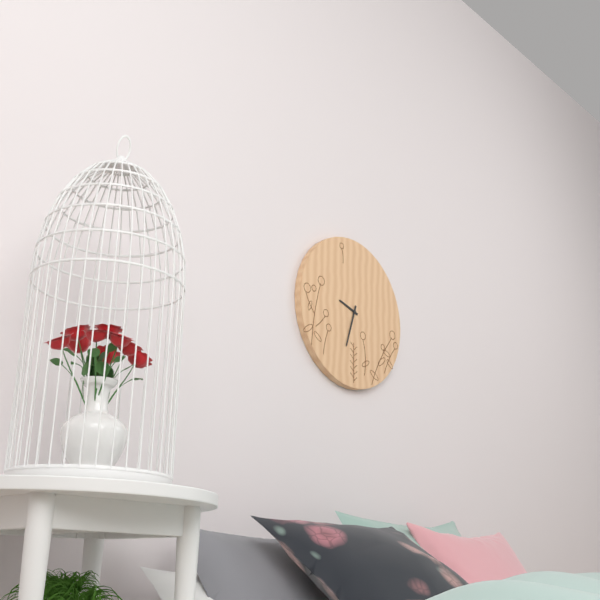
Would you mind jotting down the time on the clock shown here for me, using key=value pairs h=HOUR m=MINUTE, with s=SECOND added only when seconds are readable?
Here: h=9 m=33
